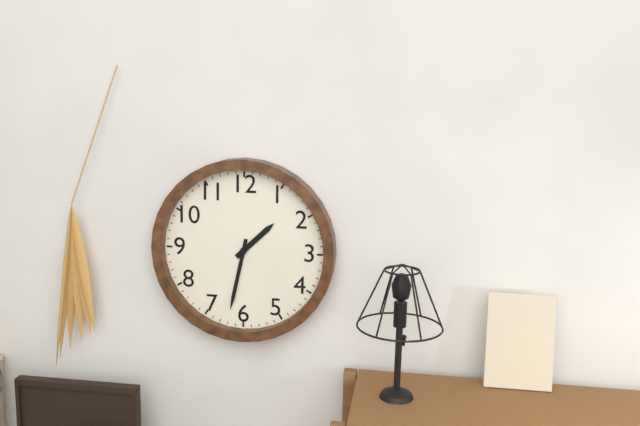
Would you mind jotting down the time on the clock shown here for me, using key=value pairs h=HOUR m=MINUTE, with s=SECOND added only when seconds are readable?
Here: h=1 m=32
